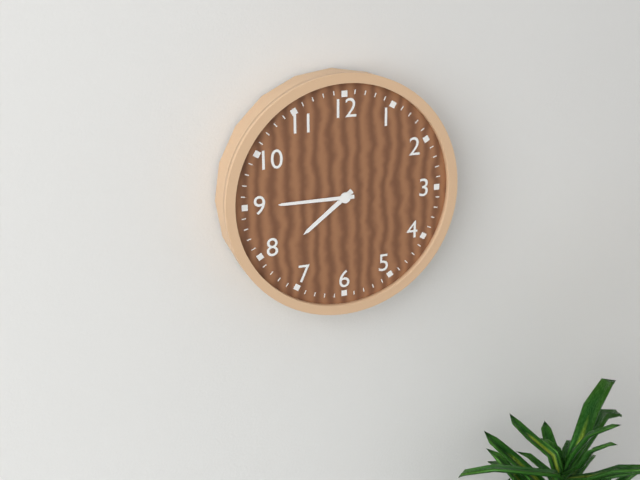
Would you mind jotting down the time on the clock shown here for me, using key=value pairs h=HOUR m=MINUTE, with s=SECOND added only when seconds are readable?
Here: h=7 m=45
